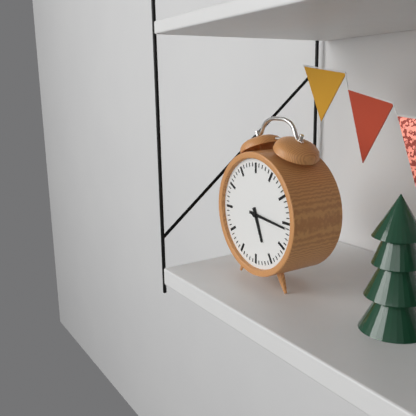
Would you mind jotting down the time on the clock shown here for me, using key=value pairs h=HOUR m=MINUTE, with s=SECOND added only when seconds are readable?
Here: h=5 m=16
